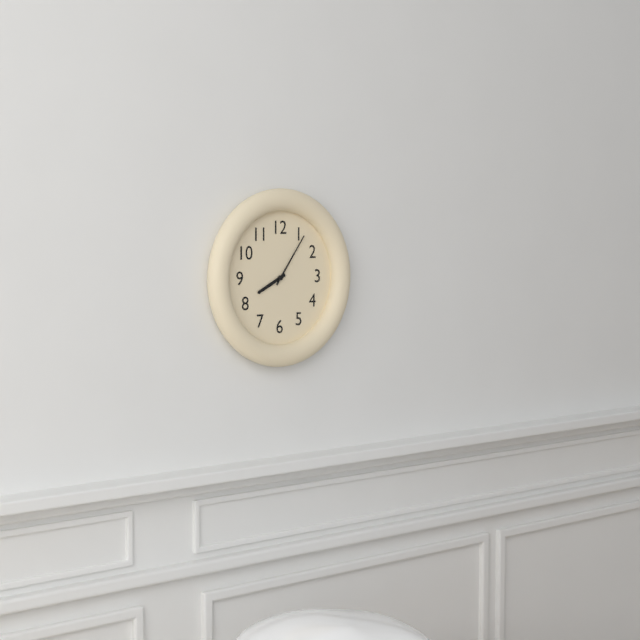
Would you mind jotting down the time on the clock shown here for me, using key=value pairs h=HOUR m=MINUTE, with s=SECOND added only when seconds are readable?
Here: h=8 m=6
